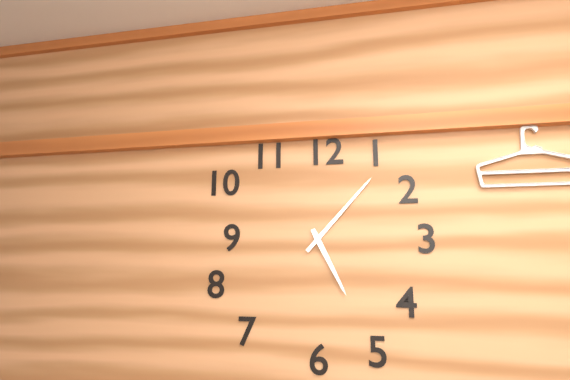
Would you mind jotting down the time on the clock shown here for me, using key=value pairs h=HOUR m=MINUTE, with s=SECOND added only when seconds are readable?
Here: h=5 m=7
